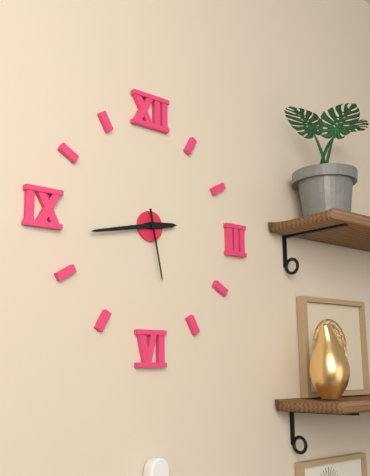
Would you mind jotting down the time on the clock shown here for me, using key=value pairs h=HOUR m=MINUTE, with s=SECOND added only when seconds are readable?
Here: h=2 m=43 s=28
